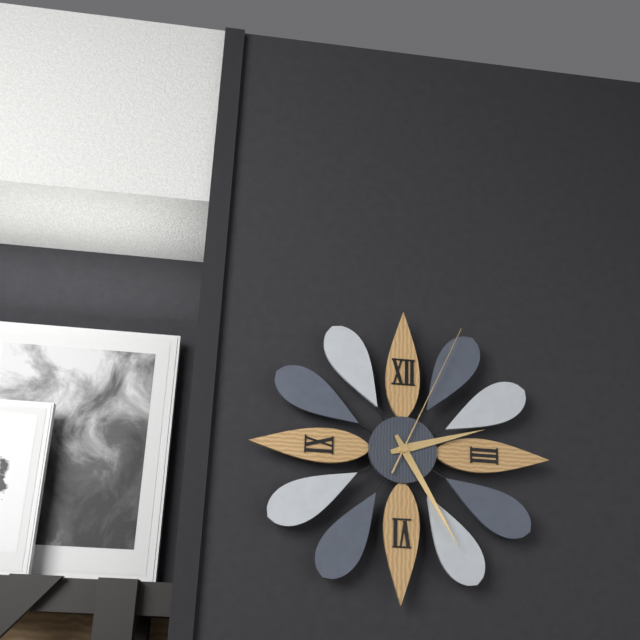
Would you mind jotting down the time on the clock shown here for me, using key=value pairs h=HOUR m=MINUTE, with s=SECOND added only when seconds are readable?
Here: h=2 m=25 s=4
